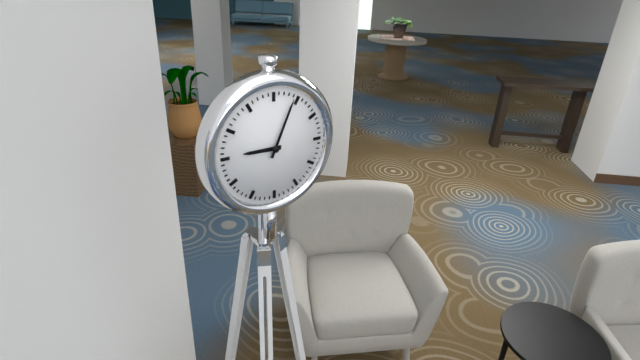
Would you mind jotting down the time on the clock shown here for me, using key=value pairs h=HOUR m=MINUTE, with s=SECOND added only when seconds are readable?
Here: h=9 m=4
